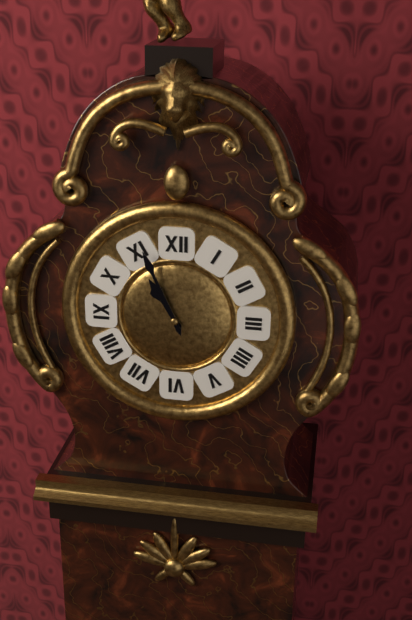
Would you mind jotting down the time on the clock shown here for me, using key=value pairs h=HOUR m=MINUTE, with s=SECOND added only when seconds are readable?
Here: h=10 m=56
